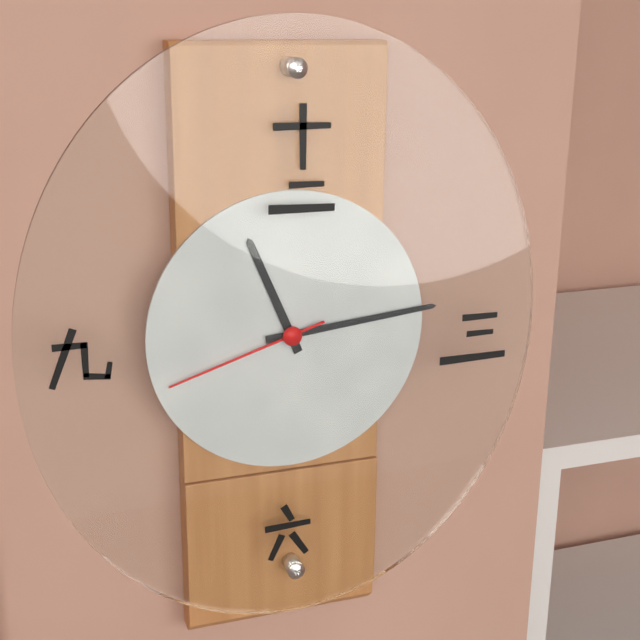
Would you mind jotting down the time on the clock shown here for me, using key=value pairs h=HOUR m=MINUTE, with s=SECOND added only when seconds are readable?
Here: h=11 m=14 s=42
